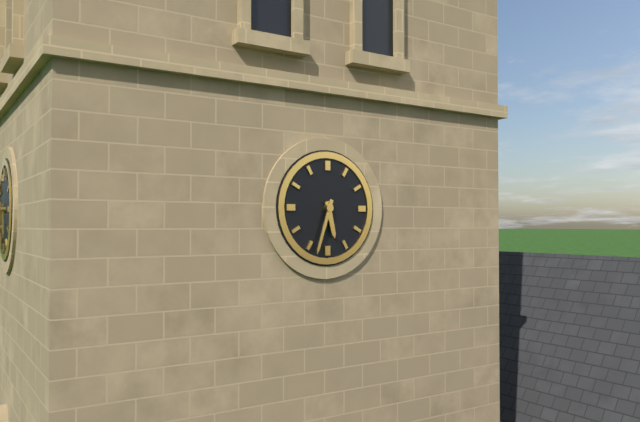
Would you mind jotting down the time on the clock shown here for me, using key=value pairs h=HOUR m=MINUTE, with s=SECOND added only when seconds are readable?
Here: h=5 m=33
